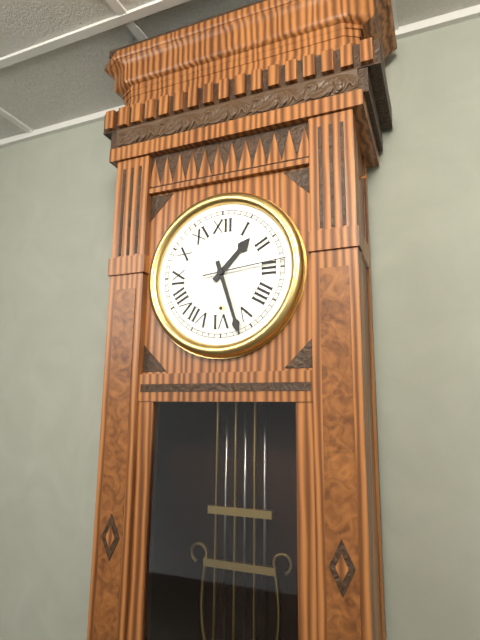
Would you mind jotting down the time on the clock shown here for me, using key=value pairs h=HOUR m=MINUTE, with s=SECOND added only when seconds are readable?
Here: h=1 m=27 s=14
